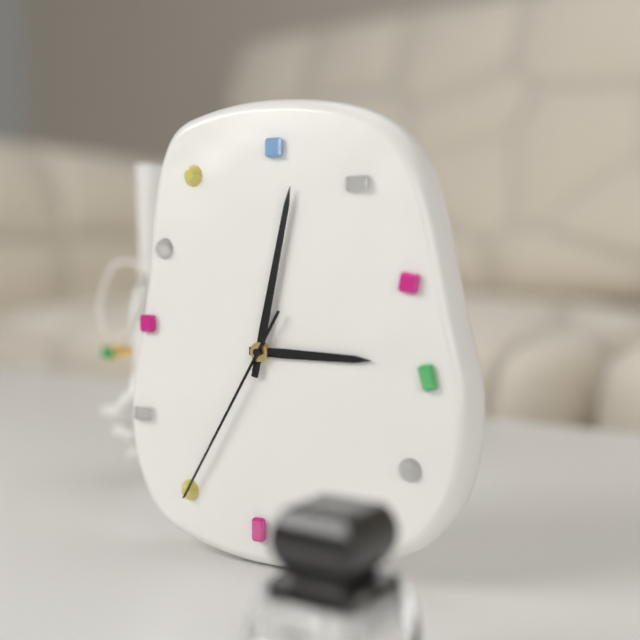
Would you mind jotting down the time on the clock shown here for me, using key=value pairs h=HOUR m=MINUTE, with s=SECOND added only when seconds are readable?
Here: h=3 m=2 s=35
